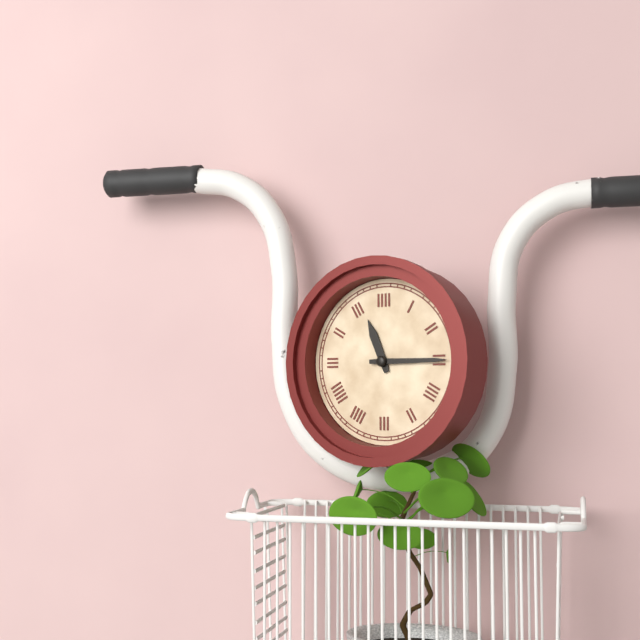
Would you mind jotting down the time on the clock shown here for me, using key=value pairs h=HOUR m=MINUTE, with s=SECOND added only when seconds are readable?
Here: h=11 m=15
